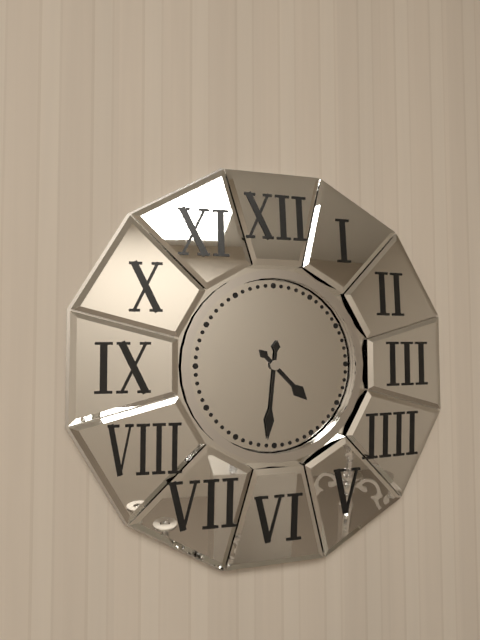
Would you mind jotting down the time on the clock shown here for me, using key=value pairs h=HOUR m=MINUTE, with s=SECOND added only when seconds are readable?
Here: h=4 m=31
